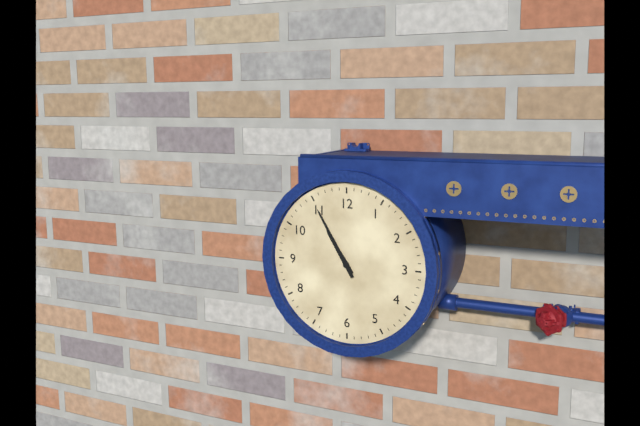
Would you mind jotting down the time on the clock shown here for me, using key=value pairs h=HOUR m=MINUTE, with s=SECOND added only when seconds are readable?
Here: h=10 m=55
